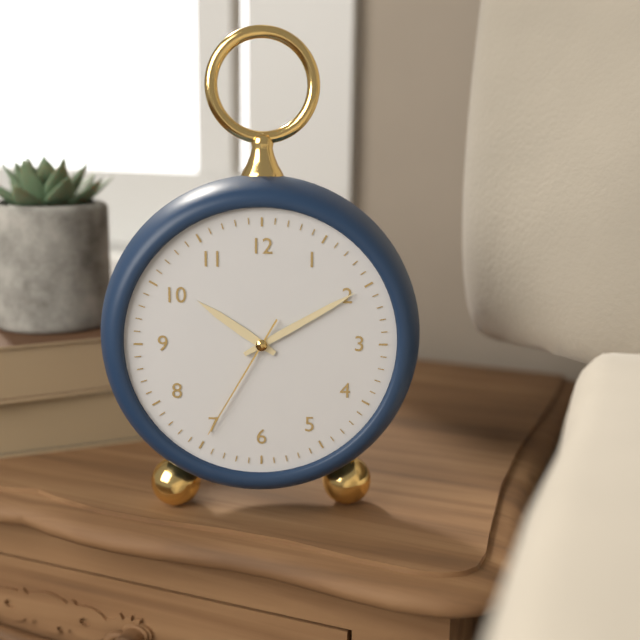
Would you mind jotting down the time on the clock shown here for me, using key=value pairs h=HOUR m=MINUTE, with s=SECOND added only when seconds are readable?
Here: h=10 m=10 s=35
